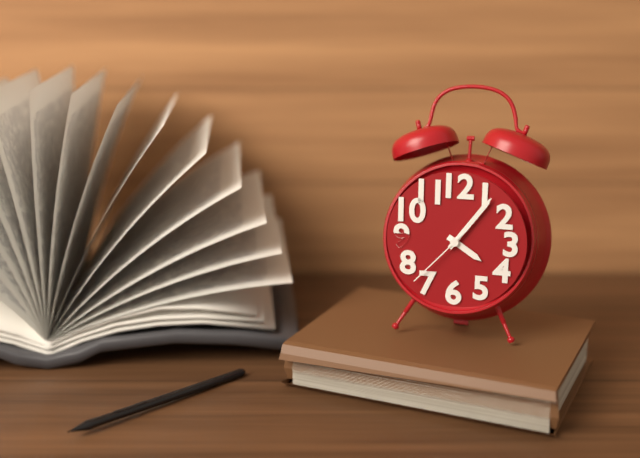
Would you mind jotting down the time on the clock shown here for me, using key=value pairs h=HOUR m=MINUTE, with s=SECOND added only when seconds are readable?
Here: h=4 m=6 s=37
